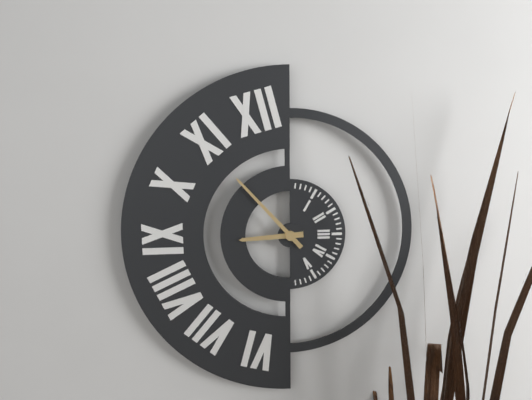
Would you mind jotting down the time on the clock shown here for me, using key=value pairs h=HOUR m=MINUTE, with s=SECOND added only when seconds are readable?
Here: h=8 m=53
